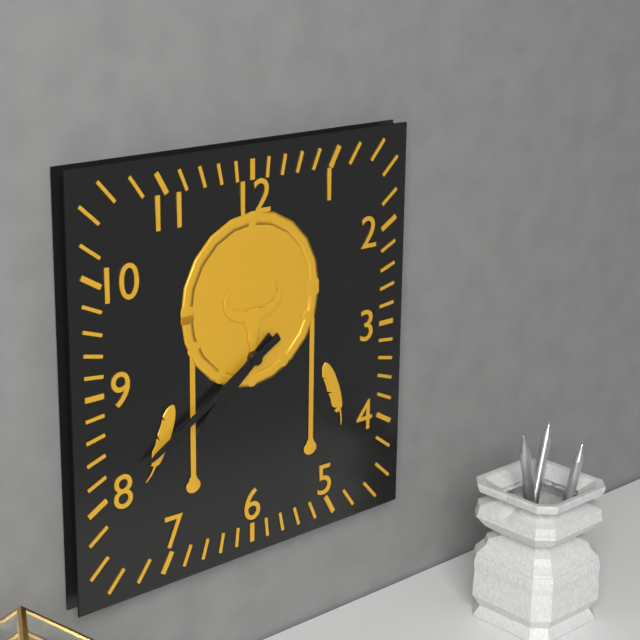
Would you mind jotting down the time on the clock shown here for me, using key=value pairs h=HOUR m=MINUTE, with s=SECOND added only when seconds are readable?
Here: h=7 m=40
